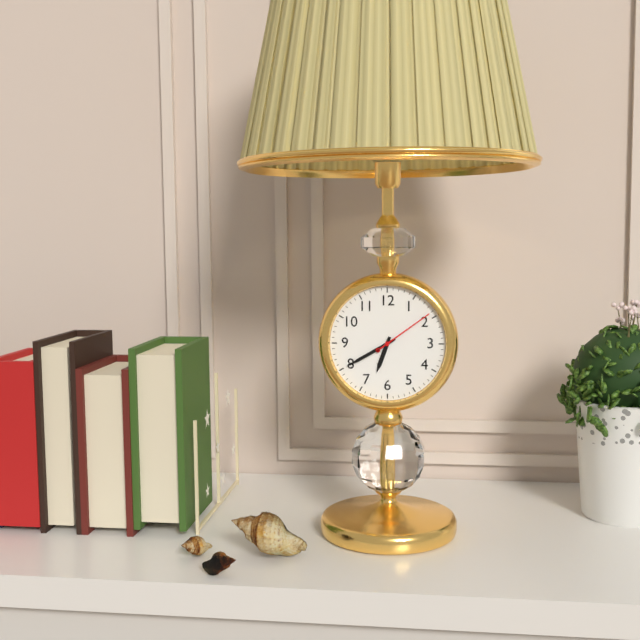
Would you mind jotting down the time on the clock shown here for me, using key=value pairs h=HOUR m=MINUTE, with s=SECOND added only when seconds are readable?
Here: h=6 m=40 s=9
